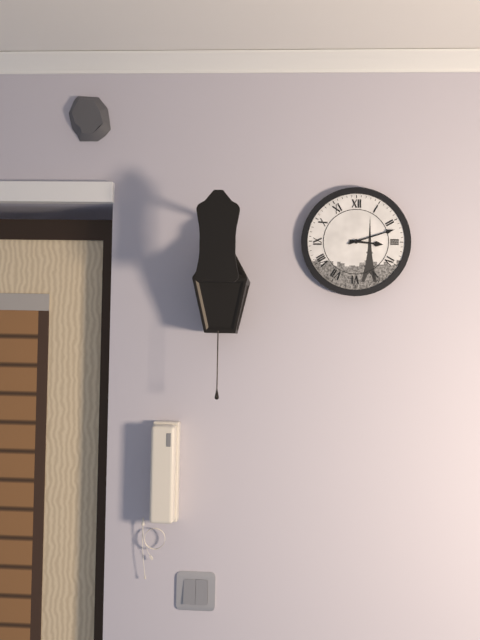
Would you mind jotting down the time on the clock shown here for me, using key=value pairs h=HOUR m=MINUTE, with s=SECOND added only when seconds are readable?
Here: h=3 m=12
